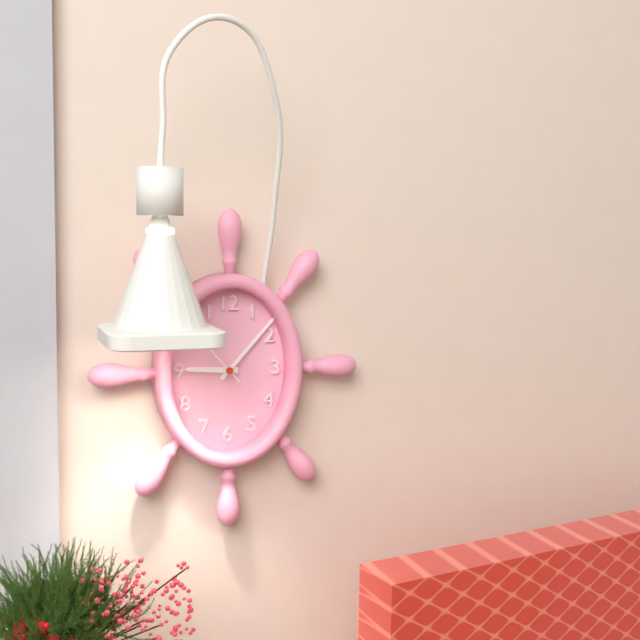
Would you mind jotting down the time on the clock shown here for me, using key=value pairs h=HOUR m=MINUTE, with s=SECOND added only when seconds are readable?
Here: h=9 m=7
